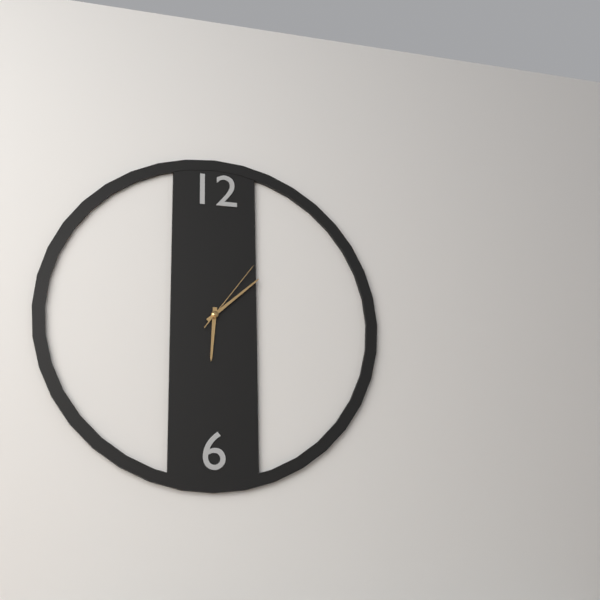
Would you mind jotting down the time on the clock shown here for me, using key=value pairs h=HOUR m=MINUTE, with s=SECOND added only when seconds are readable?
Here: h=6 m=8 s=6
